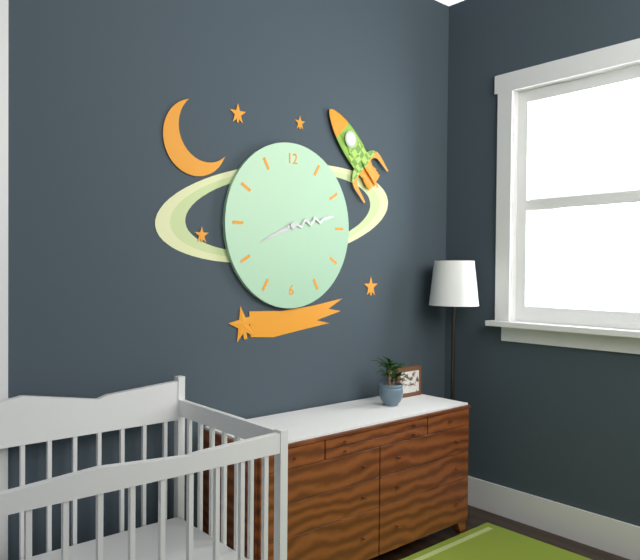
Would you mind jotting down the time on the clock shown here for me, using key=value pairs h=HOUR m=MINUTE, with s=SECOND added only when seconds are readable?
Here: h=8 m=13
